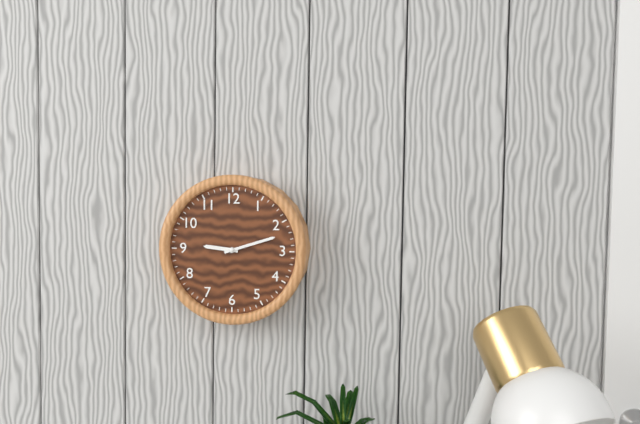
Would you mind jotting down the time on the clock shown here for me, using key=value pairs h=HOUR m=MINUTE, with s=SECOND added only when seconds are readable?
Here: h=9 m=12
